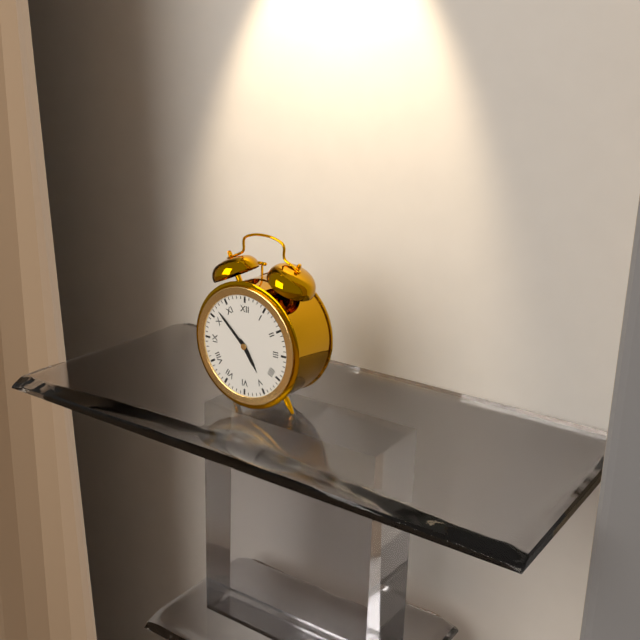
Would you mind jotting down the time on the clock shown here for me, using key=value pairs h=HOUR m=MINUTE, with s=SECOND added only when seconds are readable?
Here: h=4 m=52
